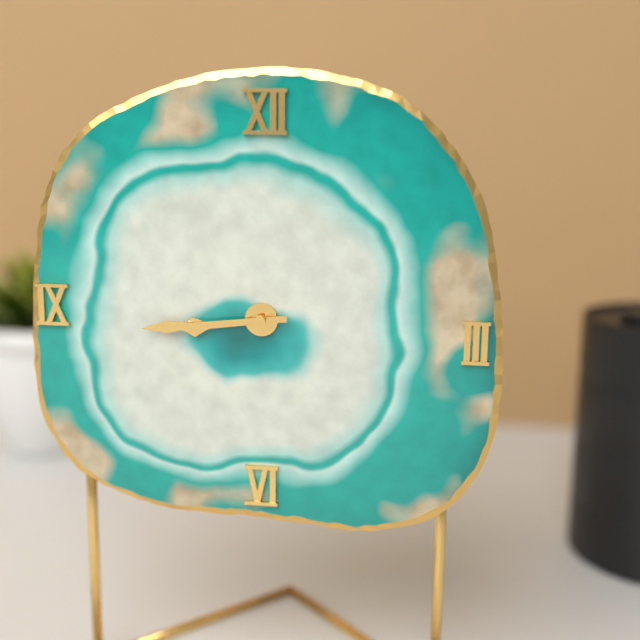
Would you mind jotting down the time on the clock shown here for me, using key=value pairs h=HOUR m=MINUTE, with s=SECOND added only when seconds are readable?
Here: h=8 m=44
